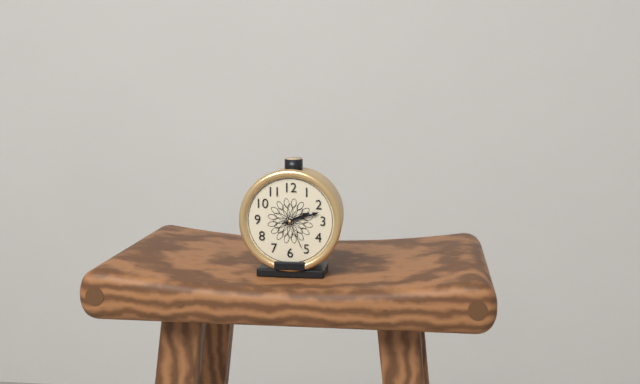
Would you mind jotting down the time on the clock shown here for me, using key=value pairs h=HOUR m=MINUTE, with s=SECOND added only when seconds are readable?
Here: h=2 m=12
